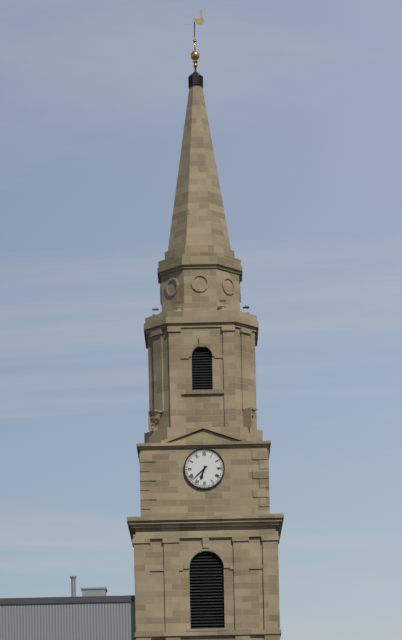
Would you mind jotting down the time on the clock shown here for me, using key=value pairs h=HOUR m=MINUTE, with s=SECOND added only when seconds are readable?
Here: h=6 m=38
